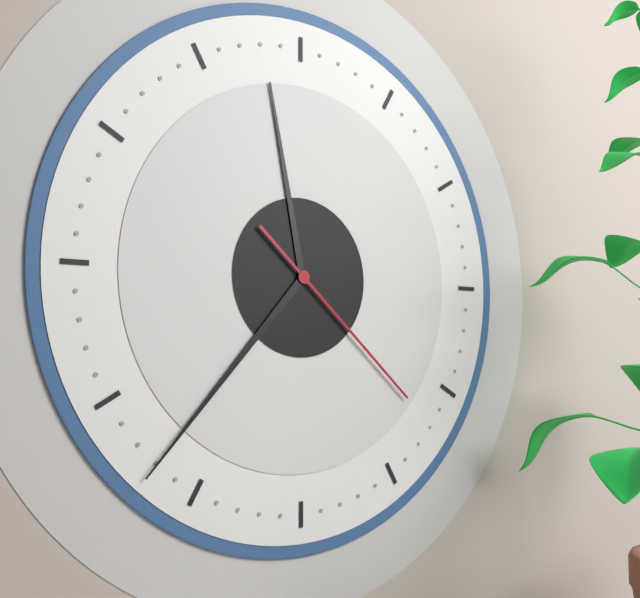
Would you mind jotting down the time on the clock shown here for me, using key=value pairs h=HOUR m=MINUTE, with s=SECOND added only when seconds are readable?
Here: h=11 m=37 s=22
